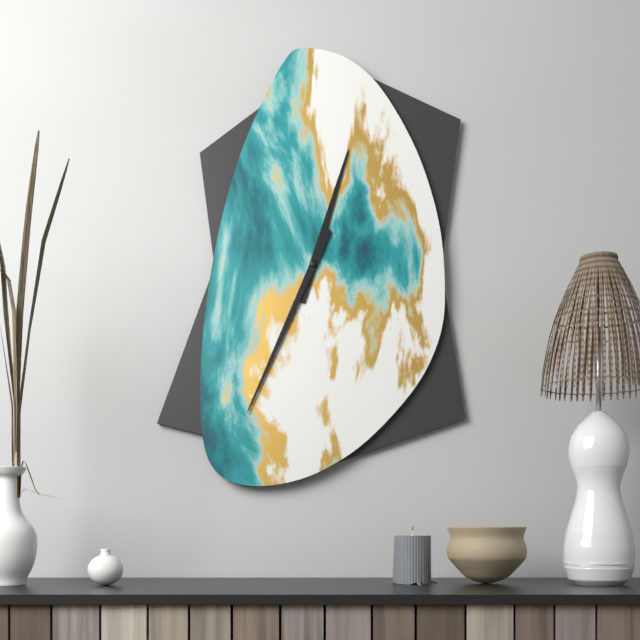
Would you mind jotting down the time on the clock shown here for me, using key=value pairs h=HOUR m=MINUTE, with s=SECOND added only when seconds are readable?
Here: h=12 m=34
